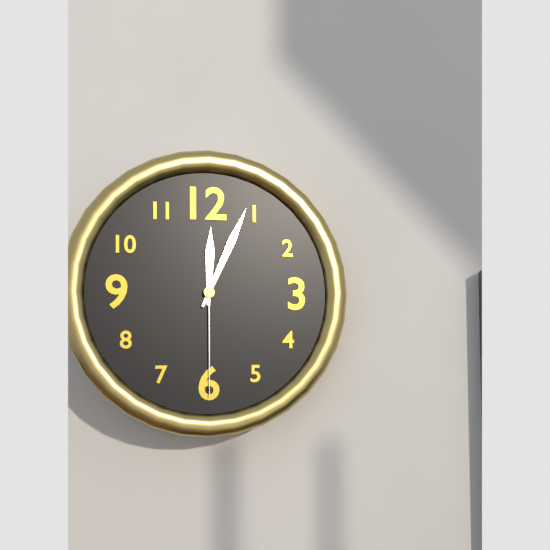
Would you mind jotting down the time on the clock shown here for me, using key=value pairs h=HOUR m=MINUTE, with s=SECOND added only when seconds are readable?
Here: h=12 m=4 s=30
